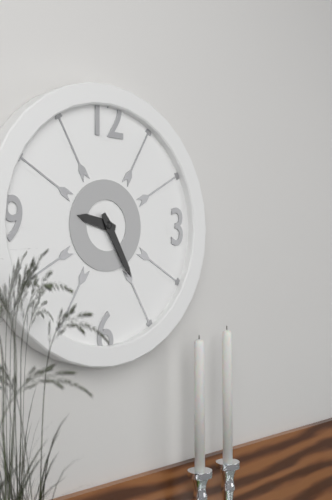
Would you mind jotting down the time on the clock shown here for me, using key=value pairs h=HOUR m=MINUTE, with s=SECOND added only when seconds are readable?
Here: h=9 m=25
